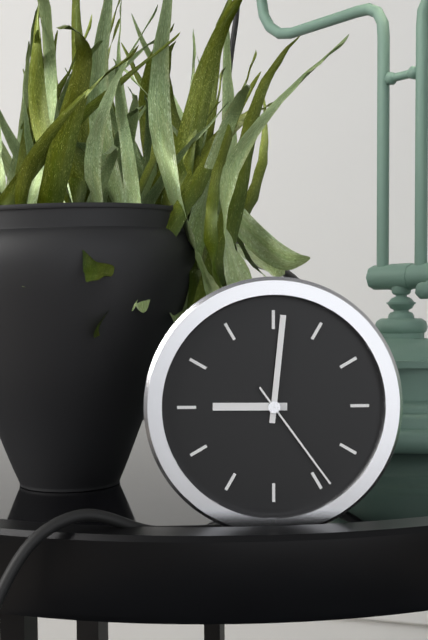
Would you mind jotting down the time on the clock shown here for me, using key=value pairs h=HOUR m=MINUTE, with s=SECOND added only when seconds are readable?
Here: h=9 m=1 s=24
